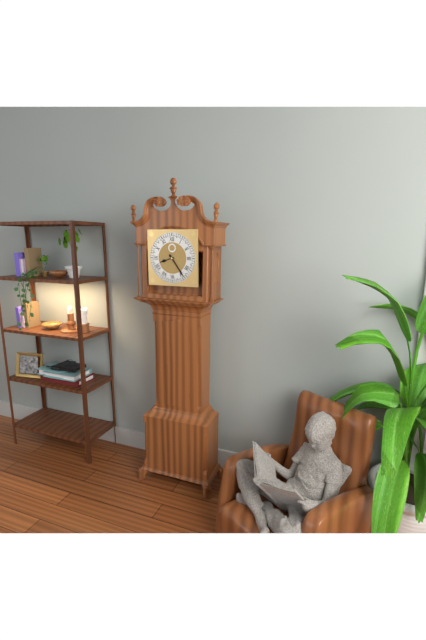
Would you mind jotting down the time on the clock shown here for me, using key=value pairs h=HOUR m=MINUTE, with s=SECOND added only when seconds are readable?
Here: h=8 m=24
